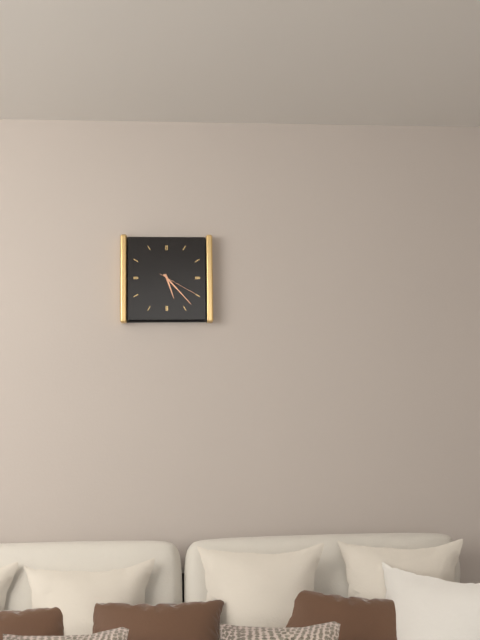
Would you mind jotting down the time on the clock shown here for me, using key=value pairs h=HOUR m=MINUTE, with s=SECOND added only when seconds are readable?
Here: h=5 m=23
